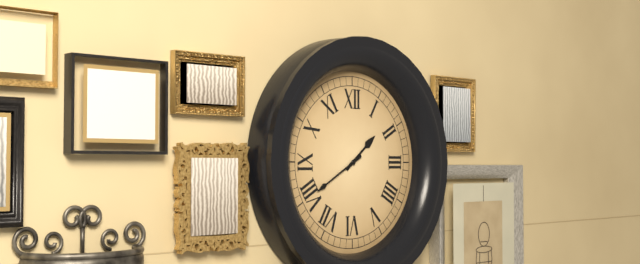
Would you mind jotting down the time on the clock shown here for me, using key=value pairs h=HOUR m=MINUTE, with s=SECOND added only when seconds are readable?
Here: h=1 m=40
